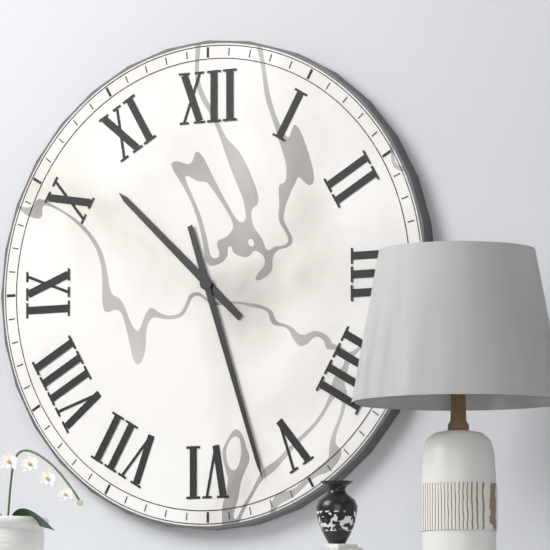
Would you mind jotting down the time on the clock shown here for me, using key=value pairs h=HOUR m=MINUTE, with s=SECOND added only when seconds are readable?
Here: h=10 m=27
